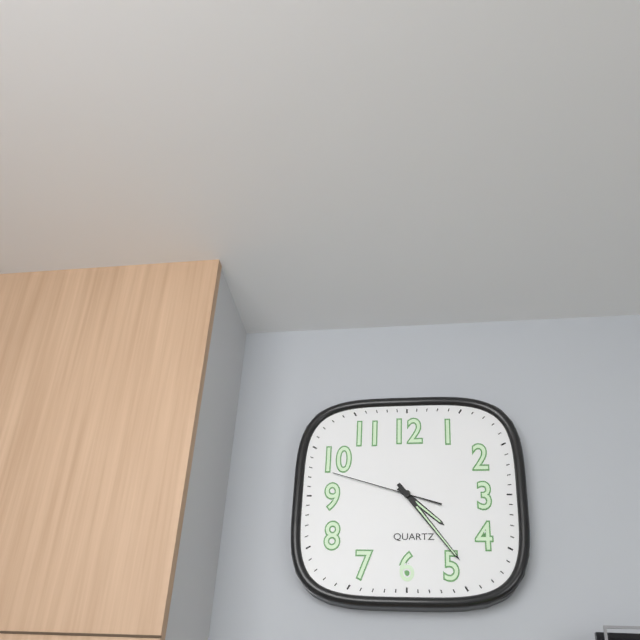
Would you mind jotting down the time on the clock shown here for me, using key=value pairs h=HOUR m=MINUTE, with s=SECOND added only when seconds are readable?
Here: h=4 m=24 s=48
